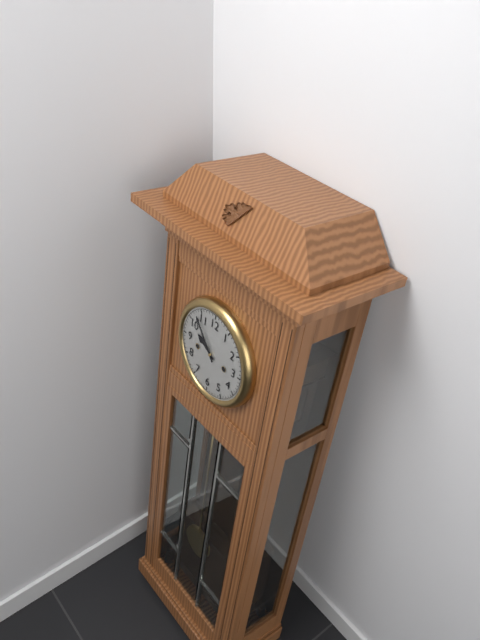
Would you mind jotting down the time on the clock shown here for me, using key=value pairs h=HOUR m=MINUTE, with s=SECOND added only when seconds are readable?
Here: h=9 m=53
